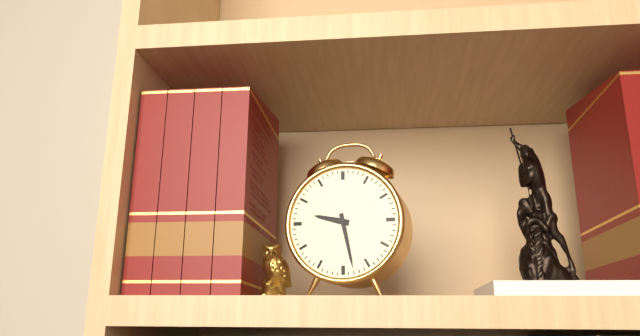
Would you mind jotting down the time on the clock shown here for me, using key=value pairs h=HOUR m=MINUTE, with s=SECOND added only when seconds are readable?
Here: h=9 m=28
